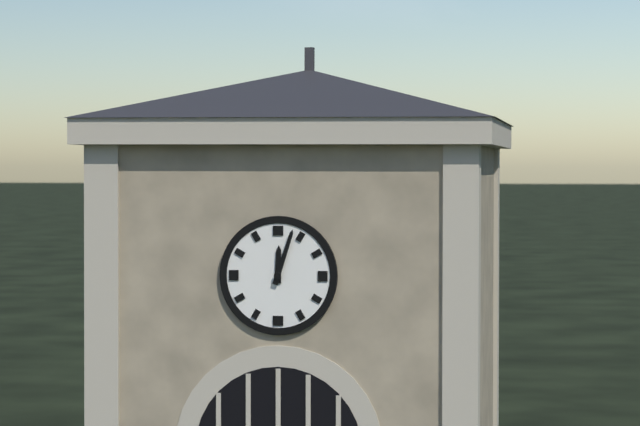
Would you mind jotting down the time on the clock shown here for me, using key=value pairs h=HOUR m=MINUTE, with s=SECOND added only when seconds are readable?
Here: h=12 m=3
